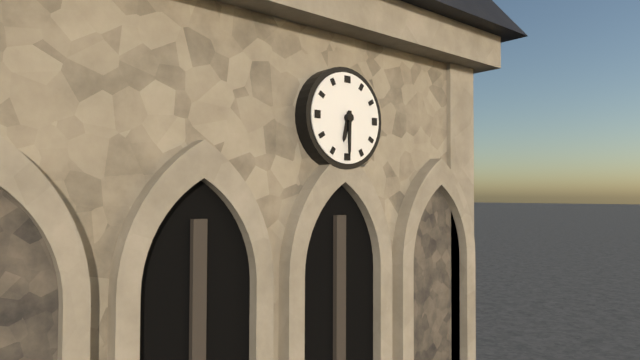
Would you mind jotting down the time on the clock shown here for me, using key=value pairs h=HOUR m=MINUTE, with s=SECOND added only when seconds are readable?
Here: h=6 m=30
